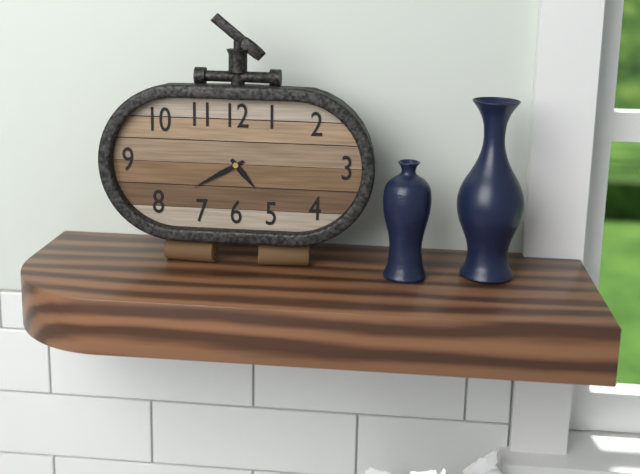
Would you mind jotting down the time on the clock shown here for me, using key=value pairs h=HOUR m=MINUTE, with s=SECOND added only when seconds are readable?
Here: h=4 m=40
